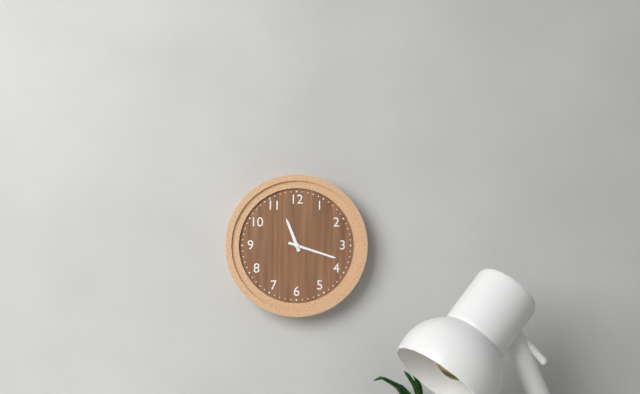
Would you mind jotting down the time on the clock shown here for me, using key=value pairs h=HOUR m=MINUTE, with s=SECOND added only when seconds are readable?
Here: h=11 m=18
